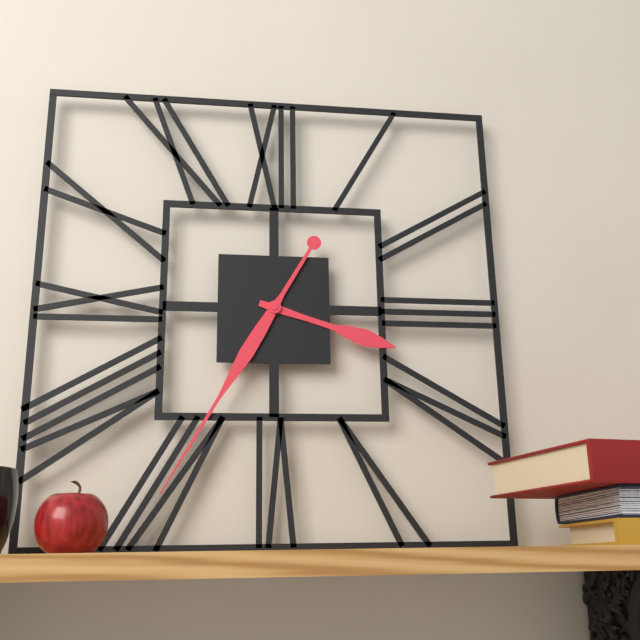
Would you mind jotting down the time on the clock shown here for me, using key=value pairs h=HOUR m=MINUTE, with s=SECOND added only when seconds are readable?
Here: h=3 m=35
